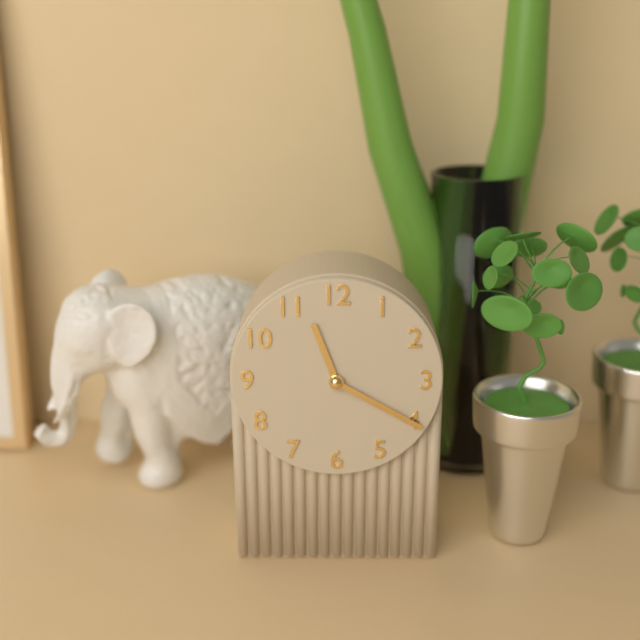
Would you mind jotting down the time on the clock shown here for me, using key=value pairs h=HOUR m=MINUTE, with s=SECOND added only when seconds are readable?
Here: h=11 m=20
